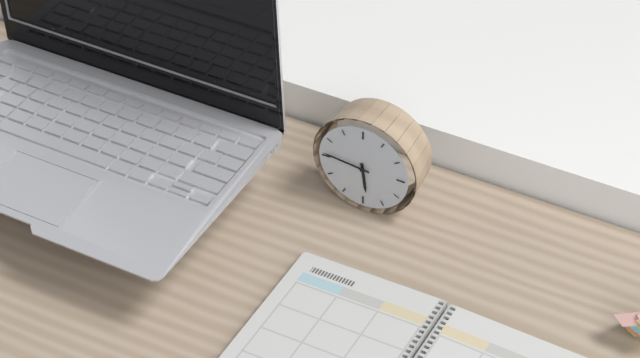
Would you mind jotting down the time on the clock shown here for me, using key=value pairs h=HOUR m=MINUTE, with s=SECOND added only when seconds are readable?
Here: h=5 m=46
